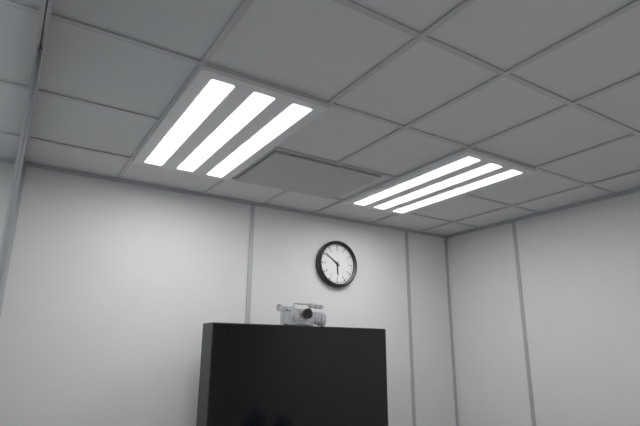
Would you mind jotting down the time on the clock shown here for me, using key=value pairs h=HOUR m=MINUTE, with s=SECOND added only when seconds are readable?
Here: h=5 m=51
